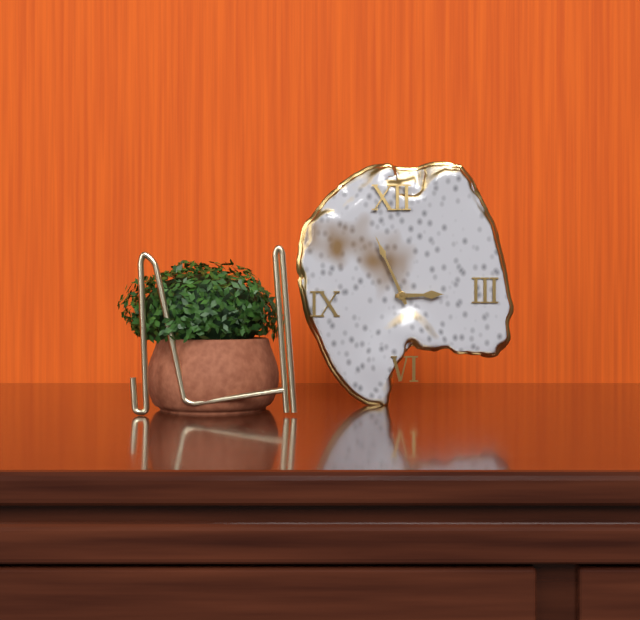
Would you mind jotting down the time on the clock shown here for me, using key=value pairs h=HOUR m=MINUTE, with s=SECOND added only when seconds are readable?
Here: h=2 m=56
